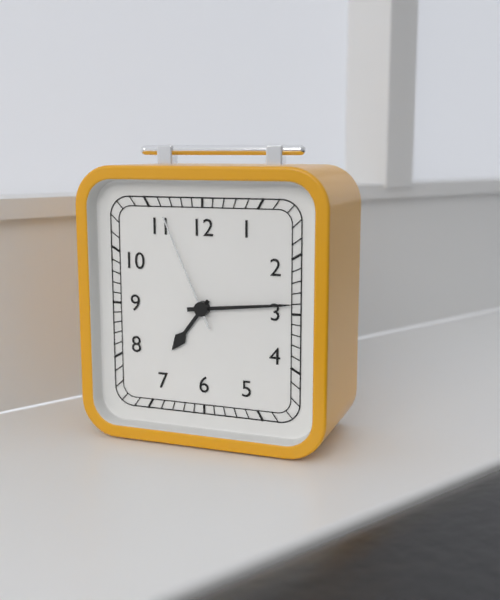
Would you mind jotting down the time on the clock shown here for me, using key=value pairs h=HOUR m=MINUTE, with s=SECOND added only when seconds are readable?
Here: h=7 m=14 s=56
